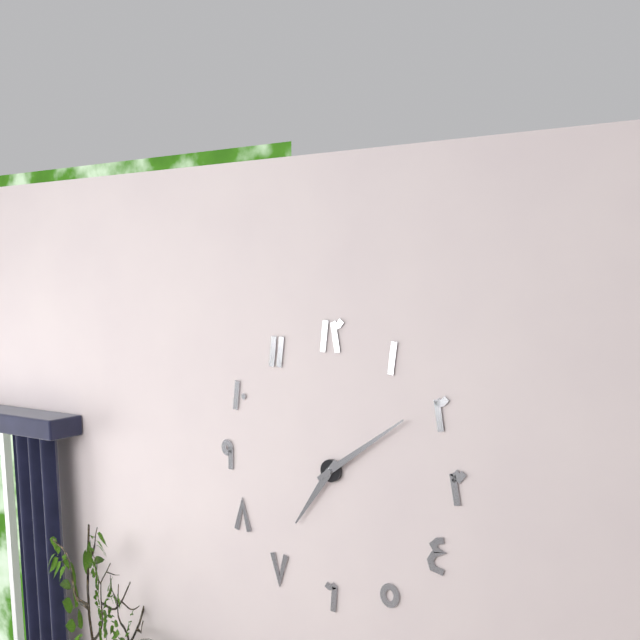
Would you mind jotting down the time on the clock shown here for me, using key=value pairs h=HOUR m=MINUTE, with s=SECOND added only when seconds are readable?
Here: h=7 m=9
